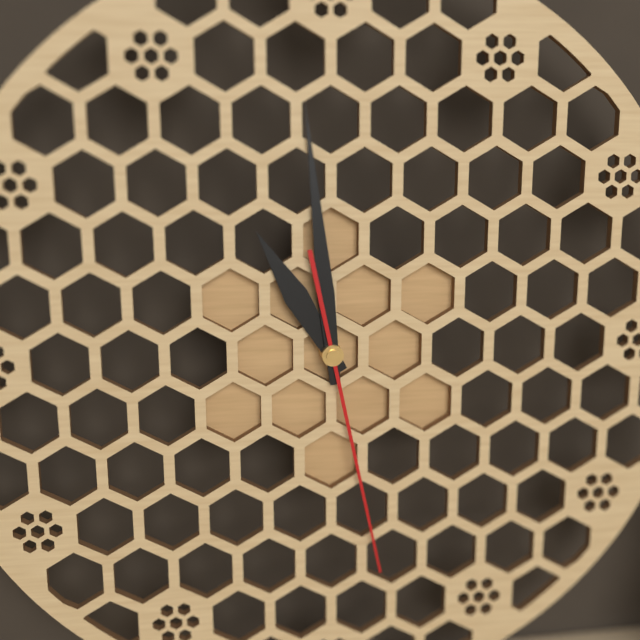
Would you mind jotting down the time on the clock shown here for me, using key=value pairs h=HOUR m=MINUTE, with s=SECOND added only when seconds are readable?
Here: h=10 m=59 s=28
